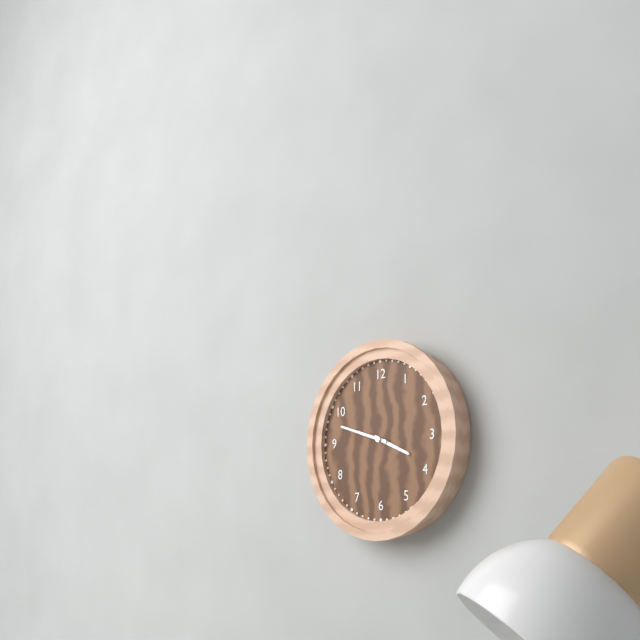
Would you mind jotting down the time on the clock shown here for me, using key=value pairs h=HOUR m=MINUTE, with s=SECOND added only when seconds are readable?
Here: h=3 m=48
